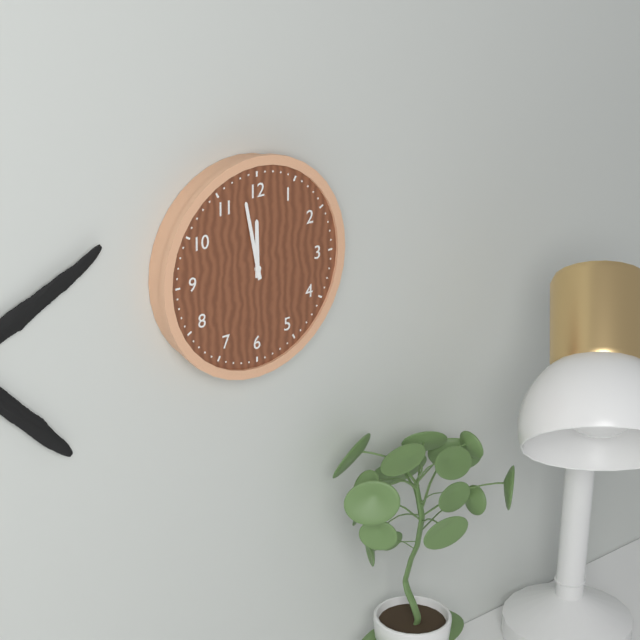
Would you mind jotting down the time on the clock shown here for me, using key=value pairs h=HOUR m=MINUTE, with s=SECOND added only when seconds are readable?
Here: h=11 m=58
